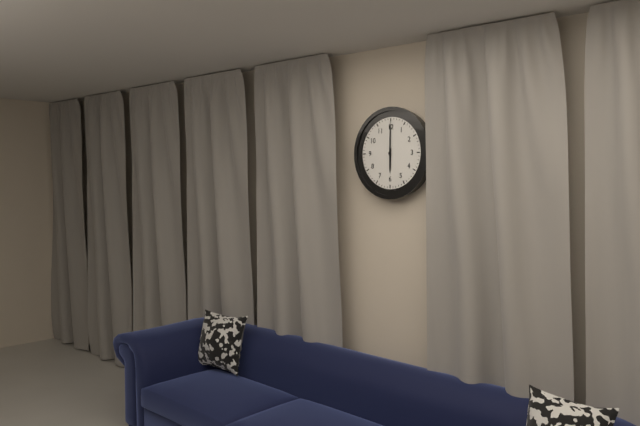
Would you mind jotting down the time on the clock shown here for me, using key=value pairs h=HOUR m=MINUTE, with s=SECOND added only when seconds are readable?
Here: h=6 m=0
